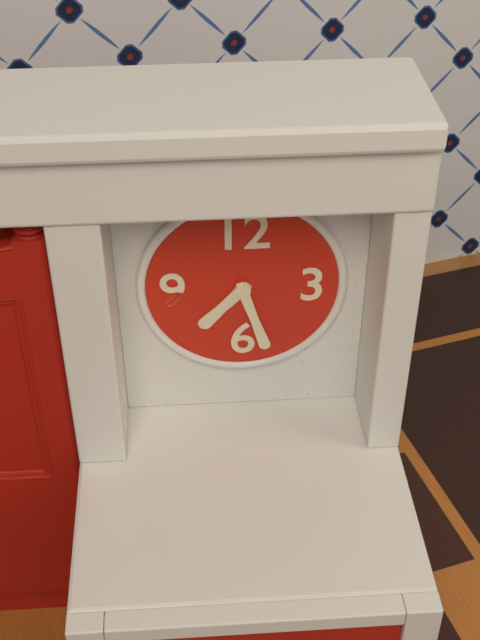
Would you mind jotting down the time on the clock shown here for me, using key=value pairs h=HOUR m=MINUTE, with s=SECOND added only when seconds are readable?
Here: h=7 m=27
